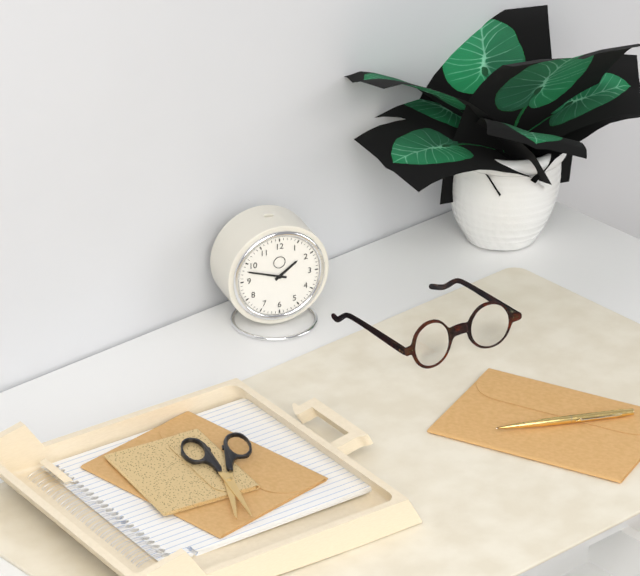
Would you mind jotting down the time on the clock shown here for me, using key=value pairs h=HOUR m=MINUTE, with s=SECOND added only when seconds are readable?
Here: h=1 m=48
